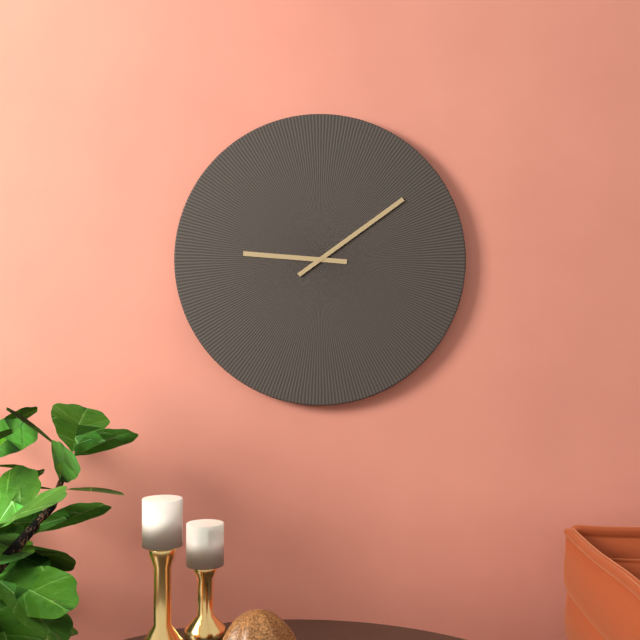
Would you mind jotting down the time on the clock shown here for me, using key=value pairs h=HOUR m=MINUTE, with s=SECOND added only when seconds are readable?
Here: h=9 m=9
